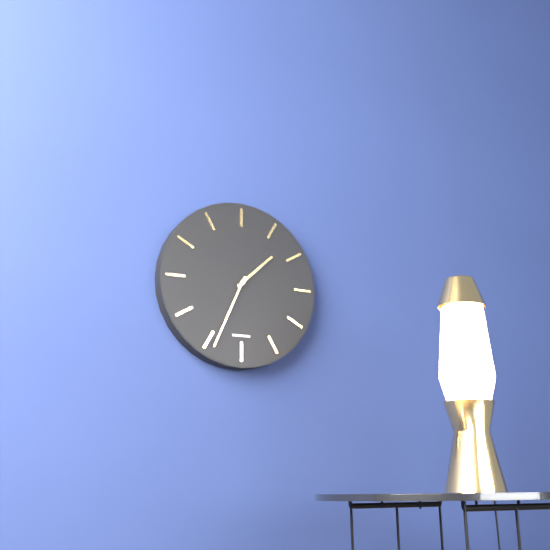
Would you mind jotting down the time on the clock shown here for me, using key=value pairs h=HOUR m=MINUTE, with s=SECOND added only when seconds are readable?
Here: h=1 m=34
